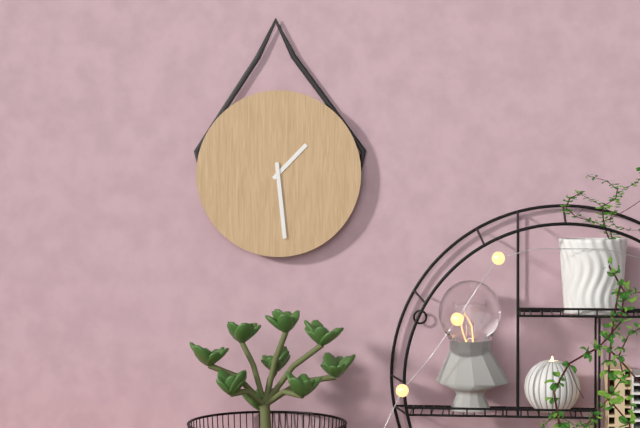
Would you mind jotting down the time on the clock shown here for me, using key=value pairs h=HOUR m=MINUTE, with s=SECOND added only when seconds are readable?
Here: h=1 m=29
